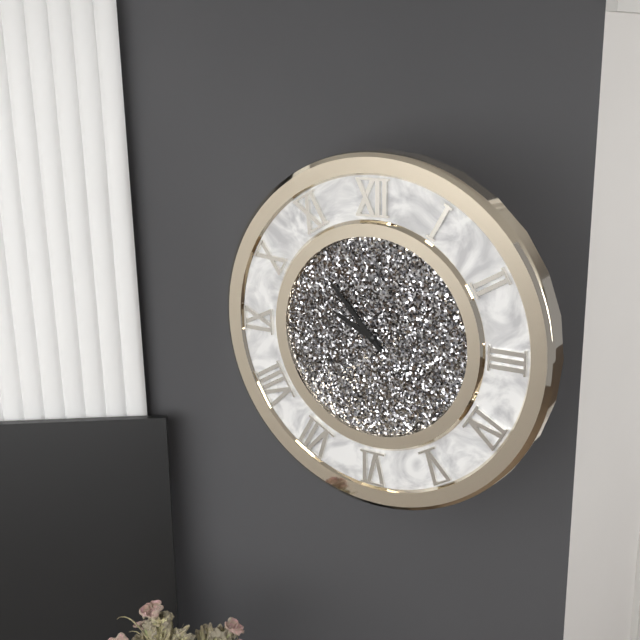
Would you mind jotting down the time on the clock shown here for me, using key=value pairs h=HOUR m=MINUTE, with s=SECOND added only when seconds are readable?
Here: h=9 m=53
